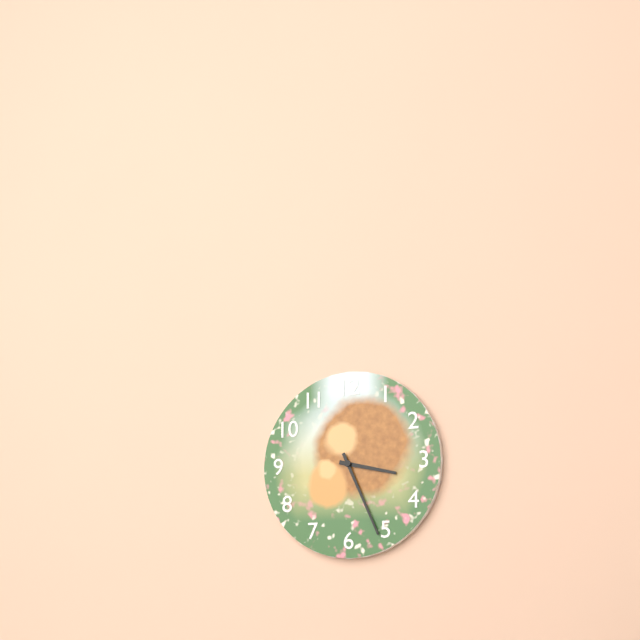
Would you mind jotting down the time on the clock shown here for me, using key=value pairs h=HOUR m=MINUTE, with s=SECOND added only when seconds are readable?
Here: h=3 m=26
